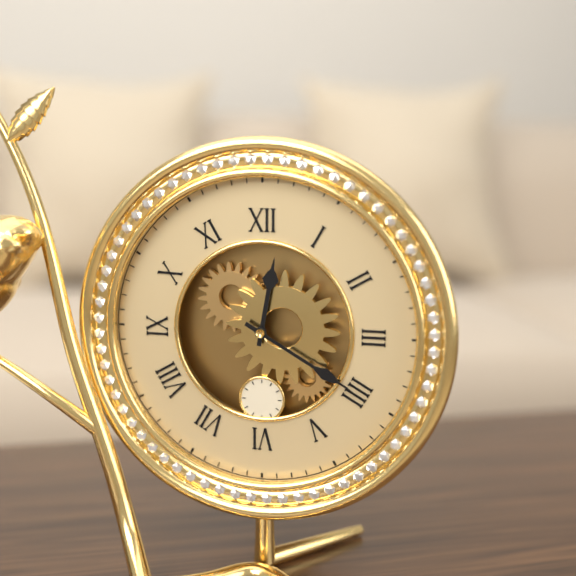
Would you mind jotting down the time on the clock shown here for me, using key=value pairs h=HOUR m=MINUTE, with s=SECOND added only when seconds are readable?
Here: h=12 m=20
